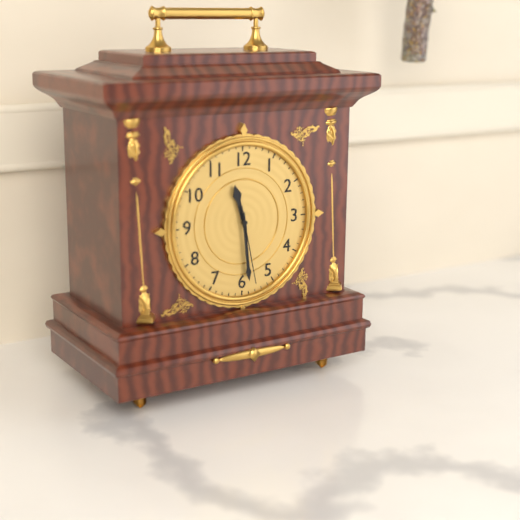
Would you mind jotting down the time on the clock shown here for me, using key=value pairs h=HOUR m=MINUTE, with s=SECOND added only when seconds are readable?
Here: h=11 m=29 s=28
